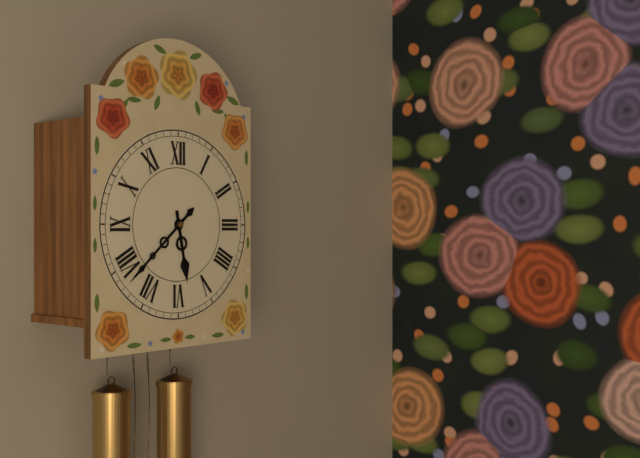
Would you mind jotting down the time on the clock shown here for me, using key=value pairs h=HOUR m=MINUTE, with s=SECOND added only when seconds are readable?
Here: h=5 m=38
